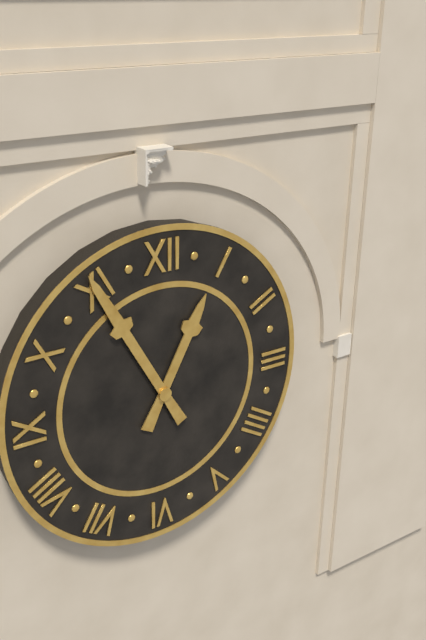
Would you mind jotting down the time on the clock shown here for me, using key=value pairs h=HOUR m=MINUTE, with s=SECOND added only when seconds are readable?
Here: h=12 m=55
